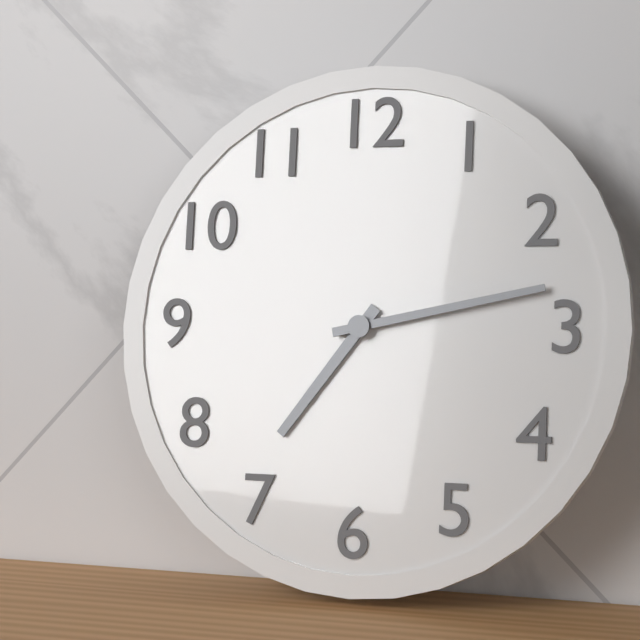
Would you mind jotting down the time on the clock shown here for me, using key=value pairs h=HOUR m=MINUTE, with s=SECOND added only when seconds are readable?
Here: h=7 m=13
